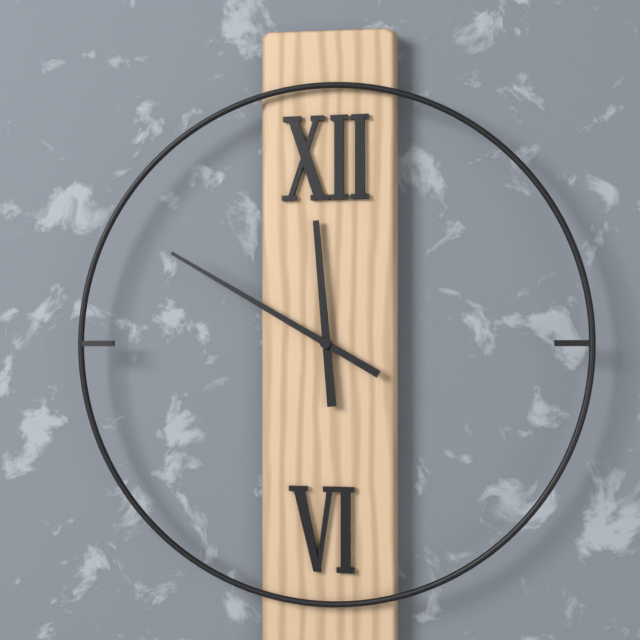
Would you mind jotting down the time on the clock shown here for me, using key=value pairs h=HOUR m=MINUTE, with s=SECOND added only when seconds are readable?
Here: h=11 m=50
